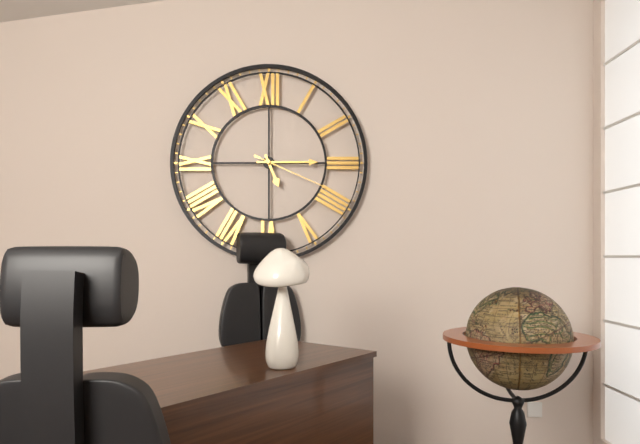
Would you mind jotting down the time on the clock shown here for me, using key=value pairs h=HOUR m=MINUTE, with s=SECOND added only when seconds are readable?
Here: h=5 m=15 s=19
